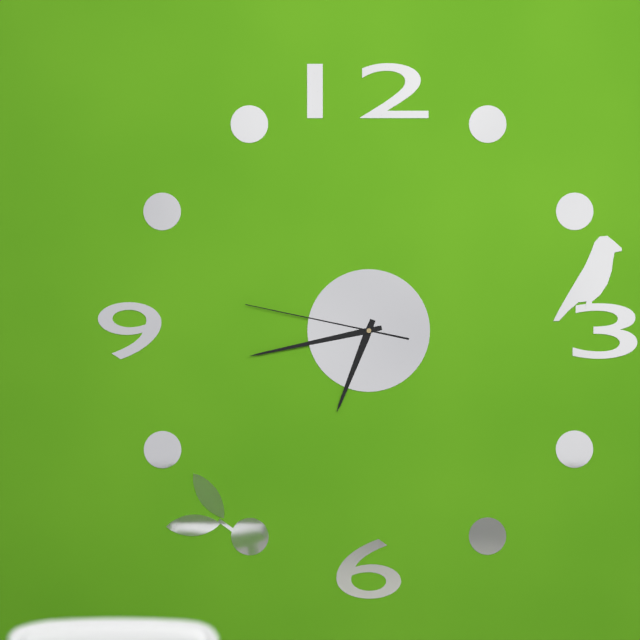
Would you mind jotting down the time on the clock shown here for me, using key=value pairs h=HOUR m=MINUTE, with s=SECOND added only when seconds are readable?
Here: h=6 m=43 s=47
